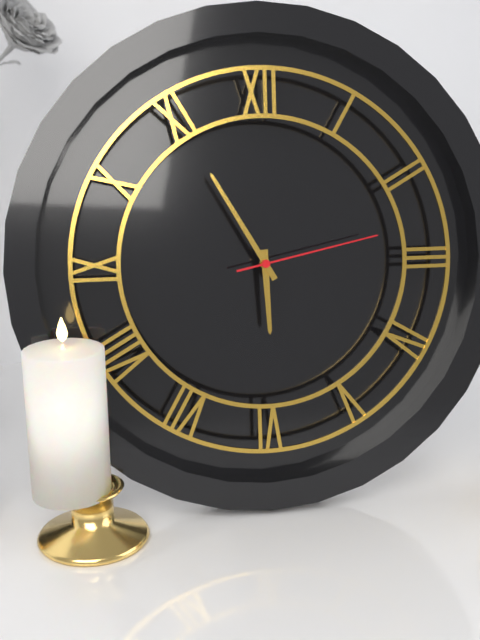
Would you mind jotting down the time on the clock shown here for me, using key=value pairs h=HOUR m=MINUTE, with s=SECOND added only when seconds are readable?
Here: h=5 m=55 s=13
